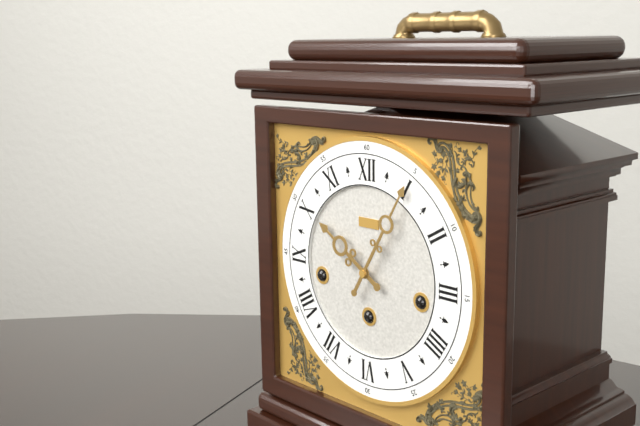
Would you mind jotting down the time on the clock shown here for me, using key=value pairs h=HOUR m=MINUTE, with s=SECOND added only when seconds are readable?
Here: h=10 m=5
